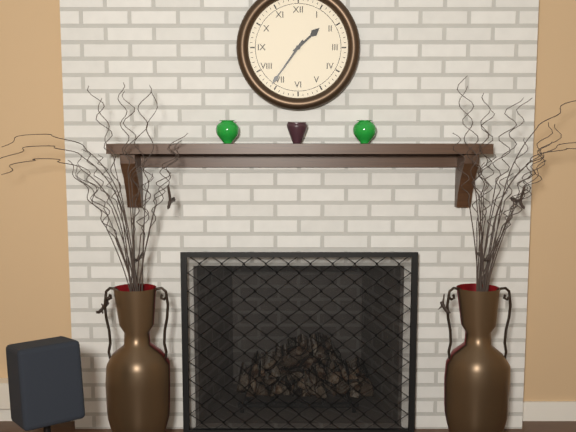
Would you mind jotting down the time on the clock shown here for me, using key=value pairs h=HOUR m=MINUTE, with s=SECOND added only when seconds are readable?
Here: h=1 m=36
